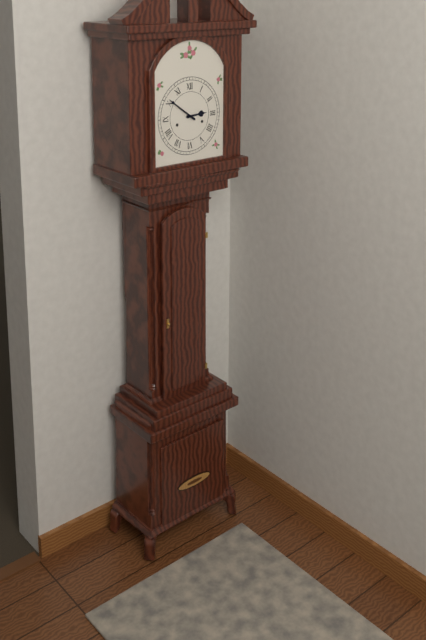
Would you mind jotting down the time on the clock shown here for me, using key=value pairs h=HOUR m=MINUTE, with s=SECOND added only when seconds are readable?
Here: h=2 m=51
